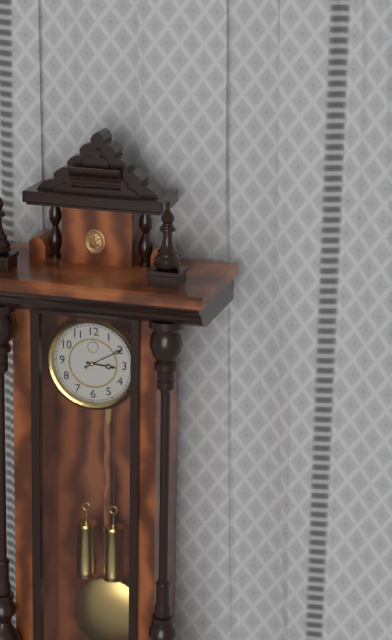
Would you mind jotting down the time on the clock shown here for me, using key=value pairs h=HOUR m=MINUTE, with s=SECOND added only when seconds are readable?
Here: h=3 m=10
